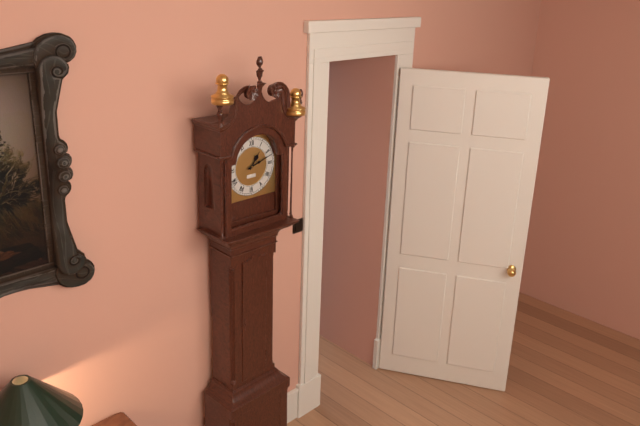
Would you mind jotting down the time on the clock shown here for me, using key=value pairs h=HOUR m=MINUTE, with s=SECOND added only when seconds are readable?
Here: h=1 m=12
